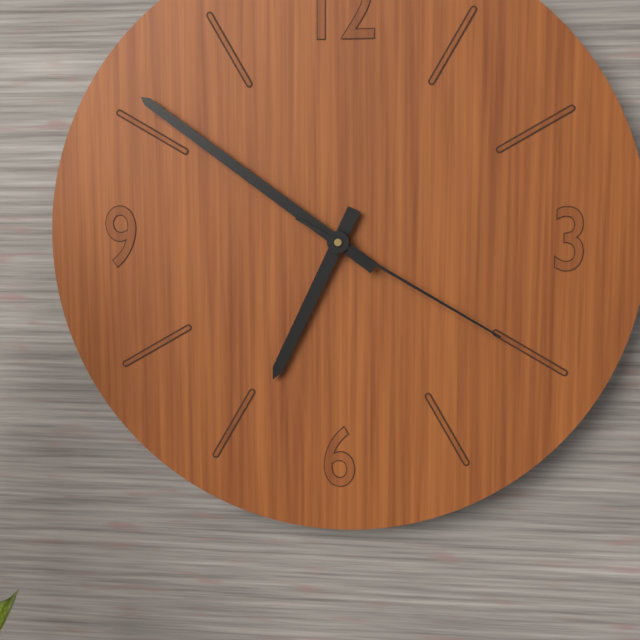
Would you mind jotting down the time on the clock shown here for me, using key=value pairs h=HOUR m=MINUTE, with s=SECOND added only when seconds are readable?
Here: h=6 m=51 s=20
